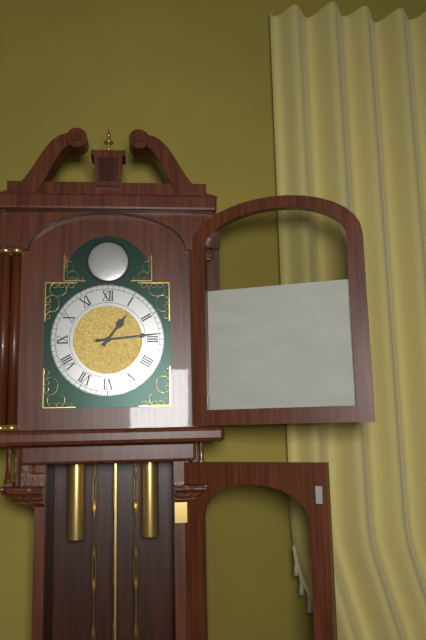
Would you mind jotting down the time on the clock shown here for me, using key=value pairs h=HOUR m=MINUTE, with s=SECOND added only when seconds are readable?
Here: h=1 m=14
